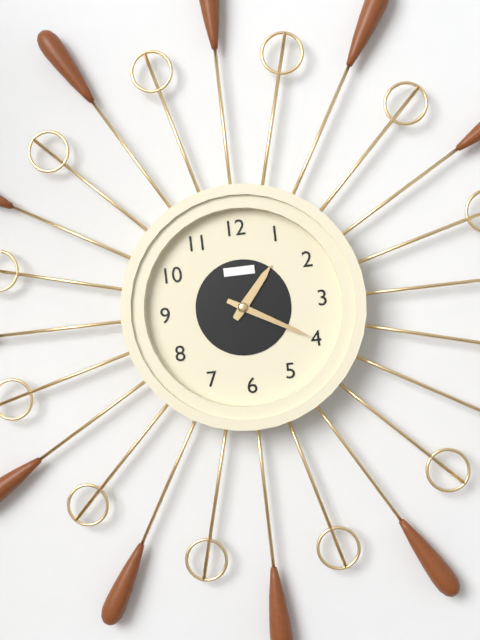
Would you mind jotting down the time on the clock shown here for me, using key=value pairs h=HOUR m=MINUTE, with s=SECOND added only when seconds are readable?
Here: h=1 m=20
